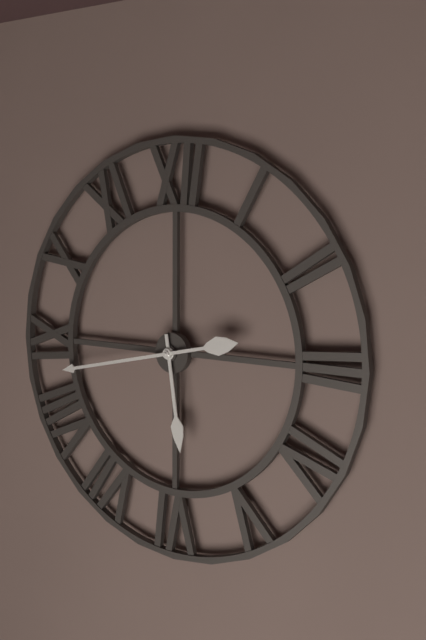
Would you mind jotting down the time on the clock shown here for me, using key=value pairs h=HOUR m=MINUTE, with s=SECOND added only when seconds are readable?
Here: h=5 m=43
